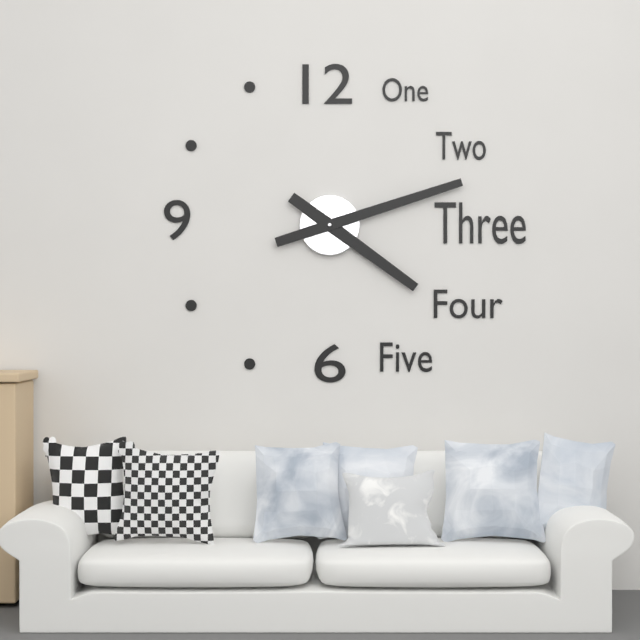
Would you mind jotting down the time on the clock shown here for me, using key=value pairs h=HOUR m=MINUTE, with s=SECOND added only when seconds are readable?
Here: h=4 m=12
